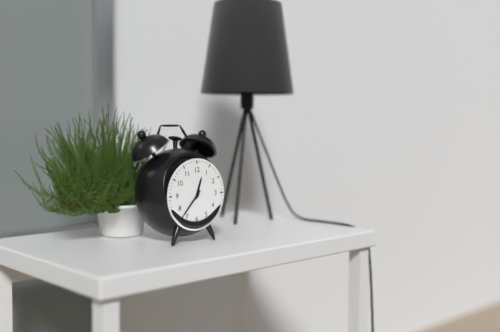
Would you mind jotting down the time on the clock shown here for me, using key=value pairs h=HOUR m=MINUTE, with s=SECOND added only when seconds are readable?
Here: h=12 m=37
